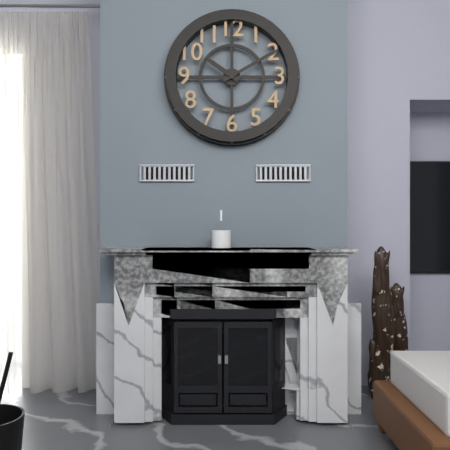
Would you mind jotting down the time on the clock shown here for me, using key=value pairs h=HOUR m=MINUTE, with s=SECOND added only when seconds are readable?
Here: h=10 m=10
